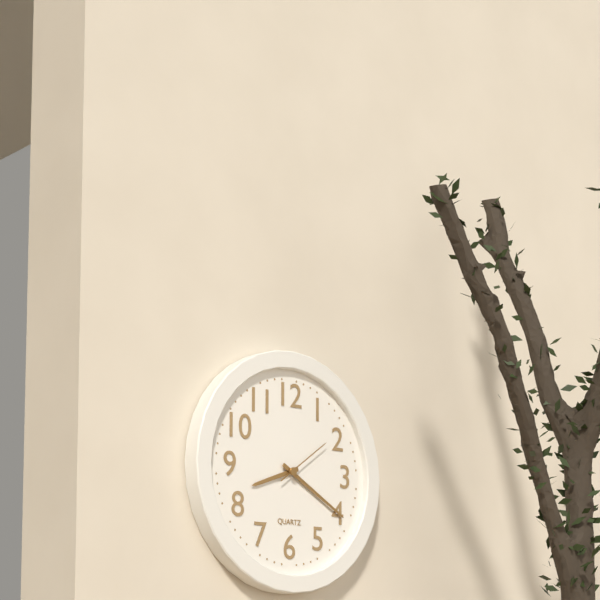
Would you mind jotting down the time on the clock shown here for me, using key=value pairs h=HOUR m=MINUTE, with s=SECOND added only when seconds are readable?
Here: h=8 m=20 s=9
